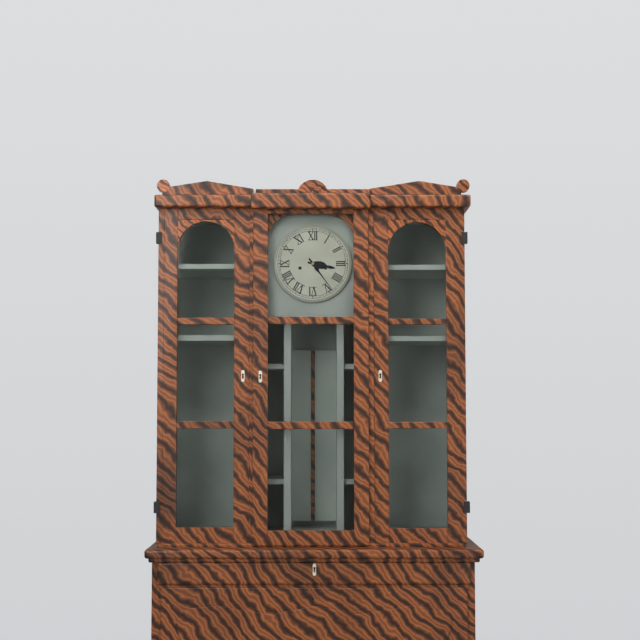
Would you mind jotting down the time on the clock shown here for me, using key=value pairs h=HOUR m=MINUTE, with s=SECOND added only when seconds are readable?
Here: h=3 m=24
